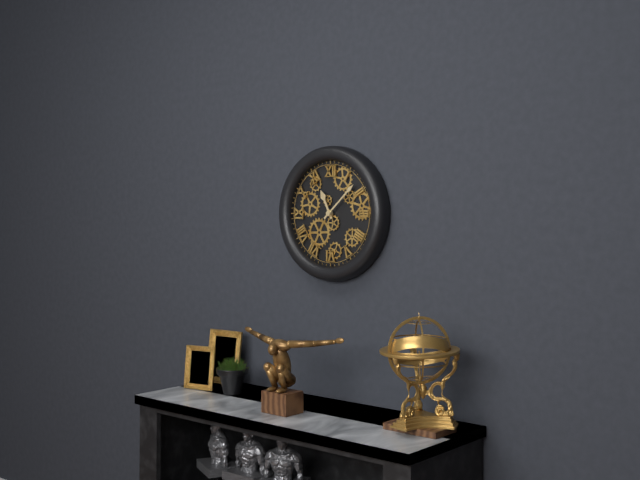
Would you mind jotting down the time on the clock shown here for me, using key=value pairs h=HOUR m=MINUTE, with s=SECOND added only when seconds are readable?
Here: h=11 m=8
